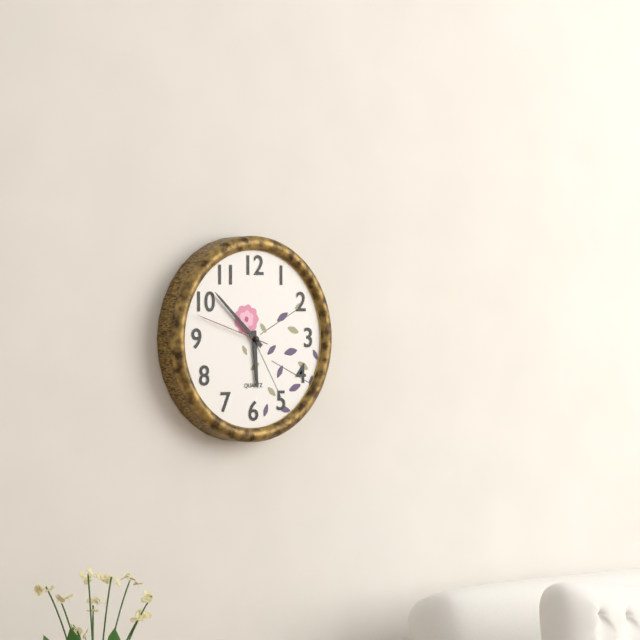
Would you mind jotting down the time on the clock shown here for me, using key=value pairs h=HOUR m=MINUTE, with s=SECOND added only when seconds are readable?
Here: h=5 m=52 s=48
